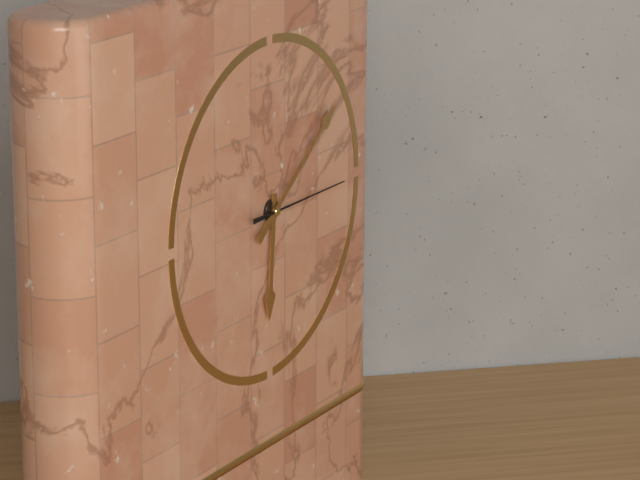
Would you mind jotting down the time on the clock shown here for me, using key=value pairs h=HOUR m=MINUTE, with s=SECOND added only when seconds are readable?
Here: h=6 m=9 s=15
